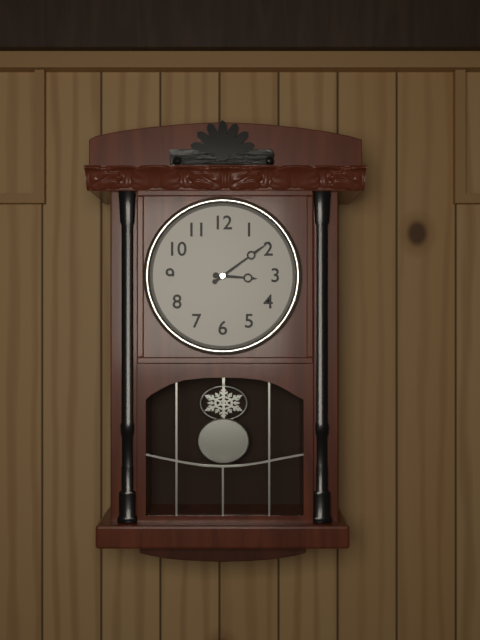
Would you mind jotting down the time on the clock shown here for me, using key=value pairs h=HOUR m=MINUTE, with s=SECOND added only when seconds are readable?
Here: h=3 m=9
